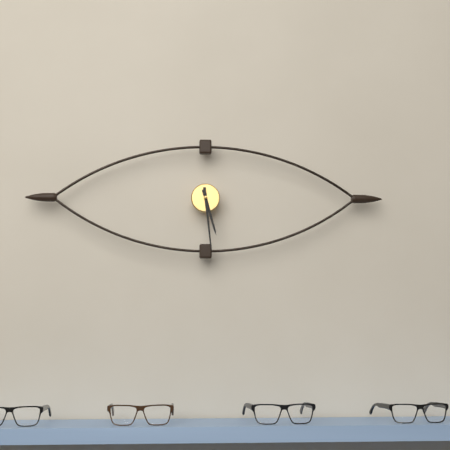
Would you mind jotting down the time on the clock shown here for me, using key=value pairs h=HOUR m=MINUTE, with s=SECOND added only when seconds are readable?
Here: h=5 m=29
